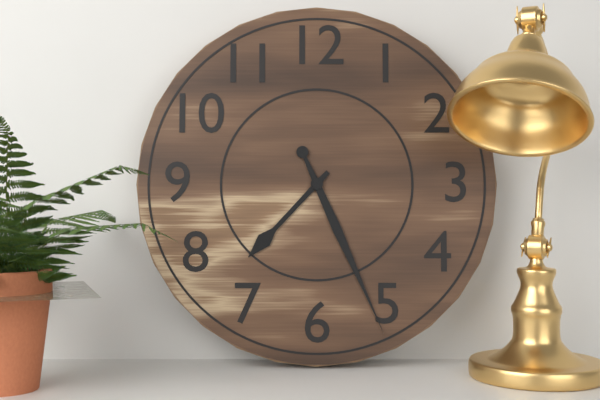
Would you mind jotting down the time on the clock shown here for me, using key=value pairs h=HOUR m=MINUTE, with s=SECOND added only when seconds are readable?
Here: h=7 m=26
